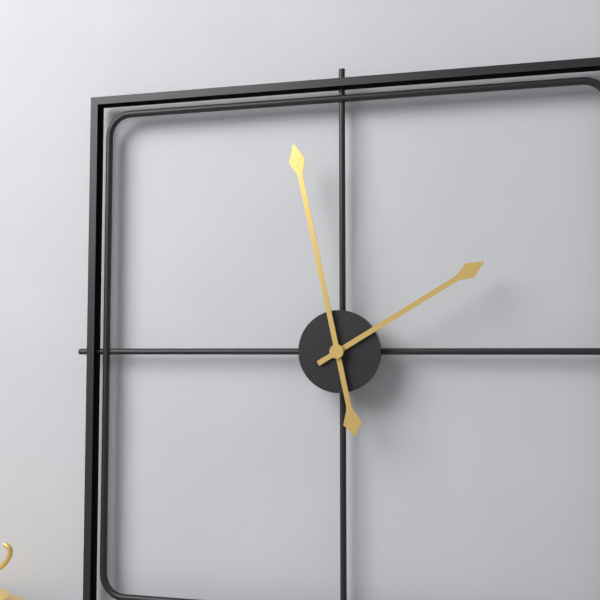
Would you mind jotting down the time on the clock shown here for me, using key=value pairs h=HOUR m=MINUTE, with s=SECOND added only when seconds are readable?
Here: h=1 m=58
